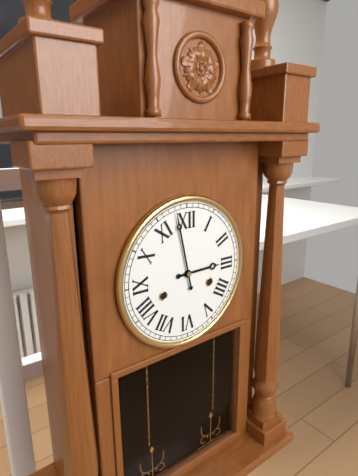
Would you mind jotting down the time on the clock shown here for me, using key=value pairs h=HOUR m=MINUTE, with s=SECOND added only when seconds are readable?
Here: h=2 m=58
